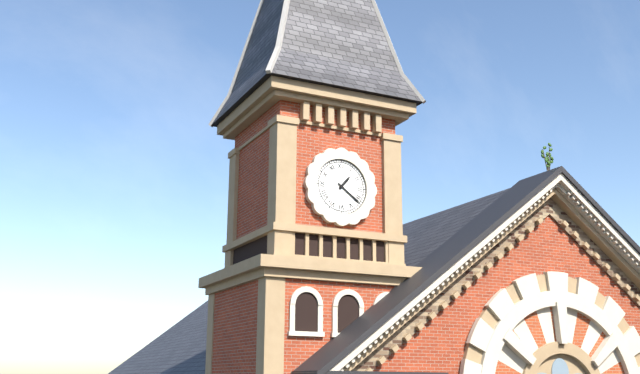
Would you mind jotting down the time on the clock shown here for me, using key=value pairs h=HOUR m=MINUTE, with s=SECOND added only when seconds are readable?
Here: h=1 m=21
